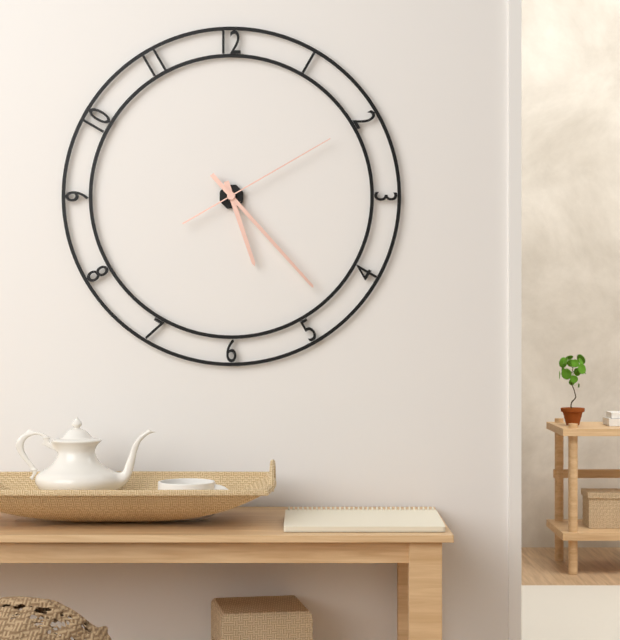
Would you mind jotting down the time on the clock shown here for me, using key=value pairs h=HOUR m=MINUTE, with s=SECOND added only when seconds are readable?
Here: h=5 m=23 s=10
